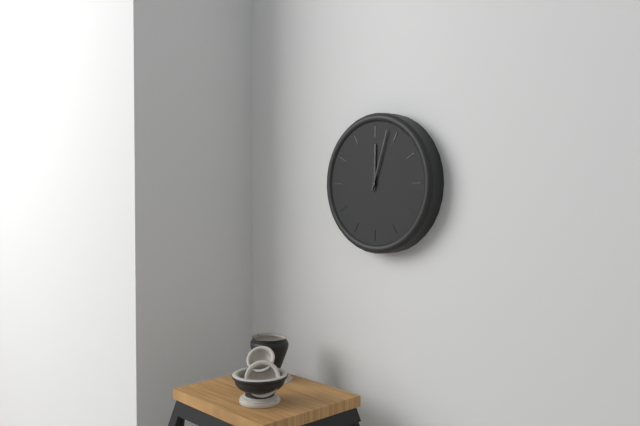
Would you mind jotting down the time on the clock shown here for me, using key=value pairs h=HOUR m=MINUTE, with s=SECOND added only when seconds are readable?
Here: h=12 m=3
